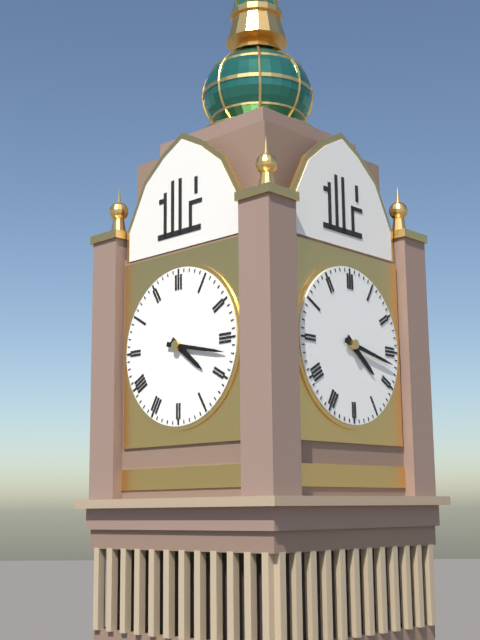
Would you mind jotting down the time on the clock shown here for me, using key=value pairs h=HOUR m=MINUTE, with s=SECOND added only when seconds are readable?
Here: h=4 m=17
